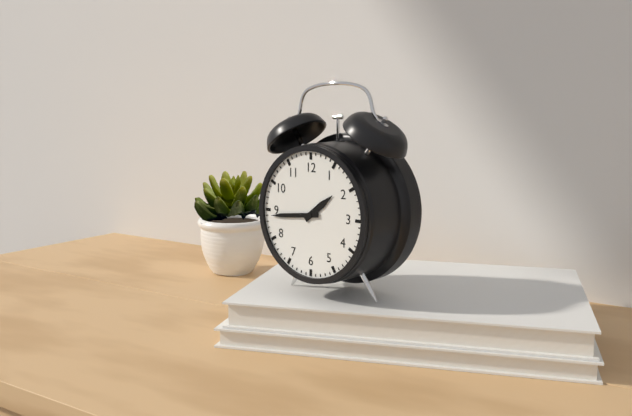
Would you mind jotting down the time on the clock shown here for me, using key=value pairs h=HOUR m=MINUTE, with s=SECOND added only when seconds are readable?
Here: h=1 m=44
